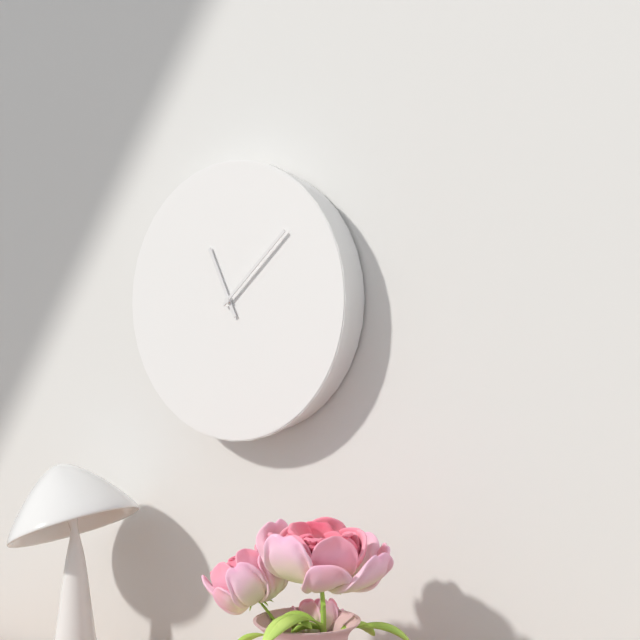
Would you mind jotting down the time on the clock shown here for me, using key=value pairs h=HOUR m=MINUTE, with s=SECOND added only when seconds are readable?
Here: h=11 m=8
